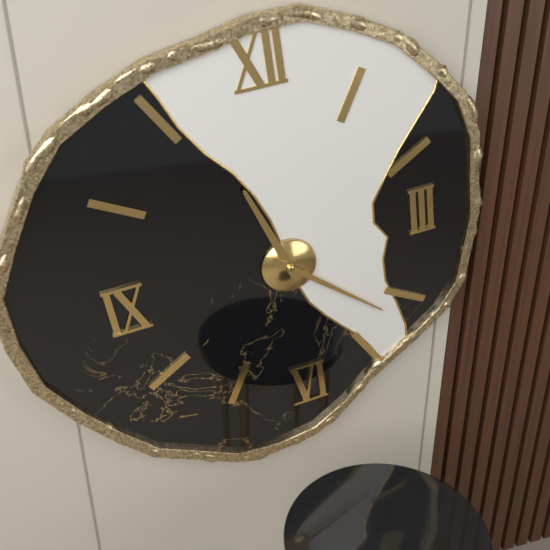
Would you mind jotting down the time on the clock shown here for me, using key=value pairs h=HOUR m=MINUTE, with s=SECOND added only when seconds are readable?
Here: h=11 m=22
